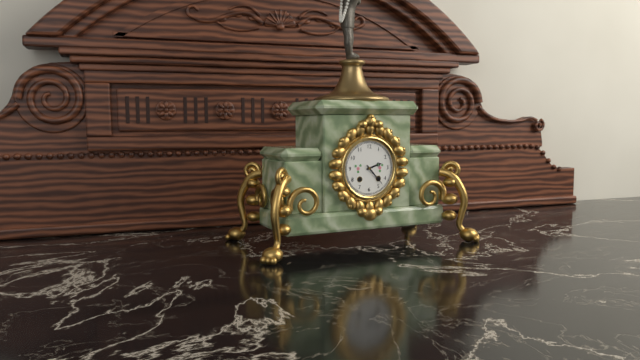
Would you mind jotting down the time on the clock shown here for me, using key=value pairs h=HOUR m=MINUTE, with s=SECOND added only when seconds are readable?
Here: h=2 m=23
